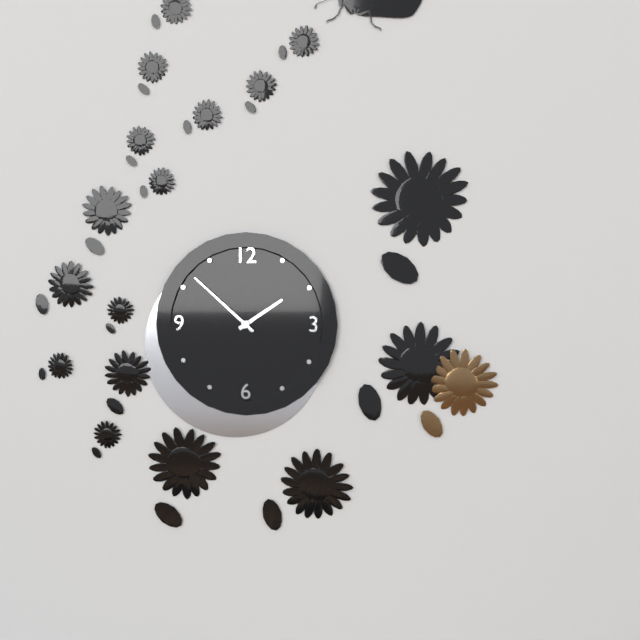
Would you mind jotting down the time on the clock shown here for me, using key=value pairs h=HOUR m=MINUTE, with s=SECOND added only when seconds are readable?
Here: h=1 m=52
